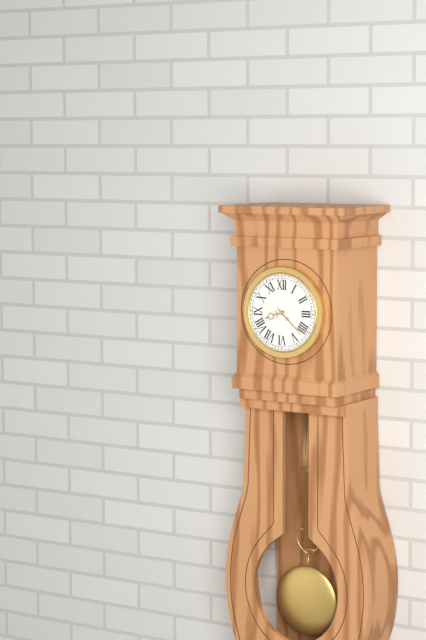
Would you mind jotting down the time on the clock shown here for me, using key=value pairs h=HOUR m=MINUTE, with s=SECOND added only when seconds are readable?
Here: h=8 m=22
